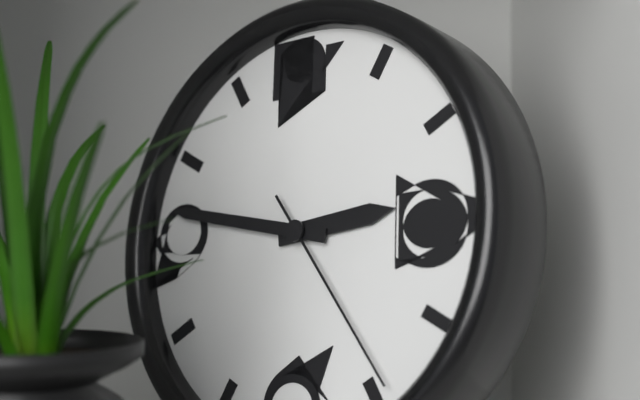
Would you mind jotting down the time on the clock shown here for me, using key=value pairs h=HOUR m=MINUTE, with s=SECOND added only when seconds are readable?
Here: h=2 m=47 s=24
